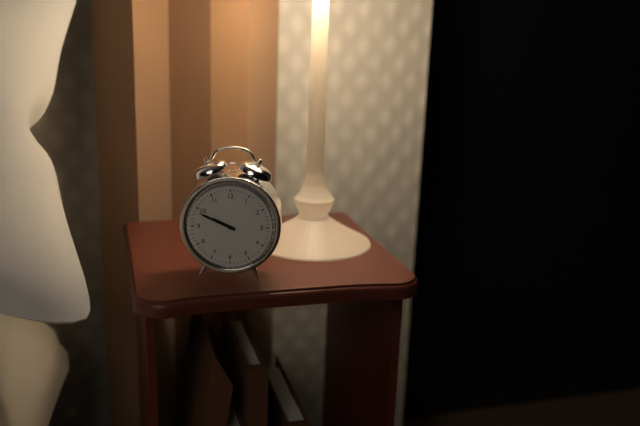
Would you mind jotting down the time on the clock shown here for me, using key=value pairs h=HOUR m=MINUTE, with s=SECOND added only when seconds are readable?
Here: h=9 m=49
